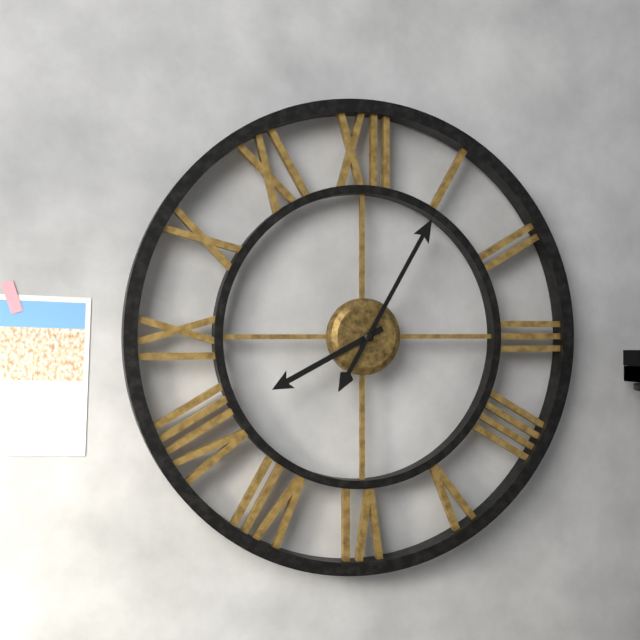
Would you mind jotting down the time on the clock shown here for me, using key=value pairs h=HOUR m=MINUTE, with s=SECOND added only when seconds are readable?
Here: h=8 m=5
